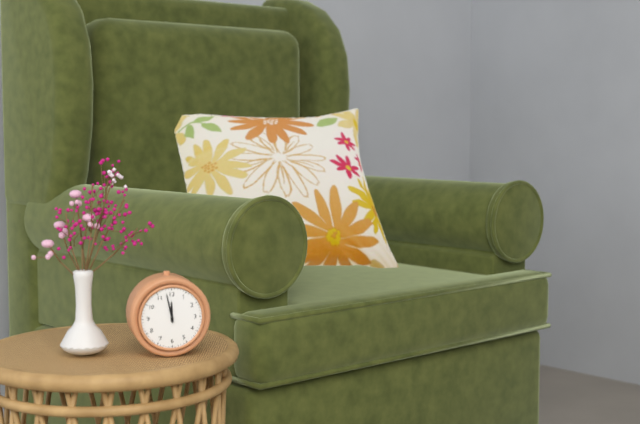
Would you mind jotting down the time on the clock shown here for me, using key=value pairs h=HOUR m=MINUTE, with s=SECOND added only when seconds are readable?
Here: h=11 m=58
